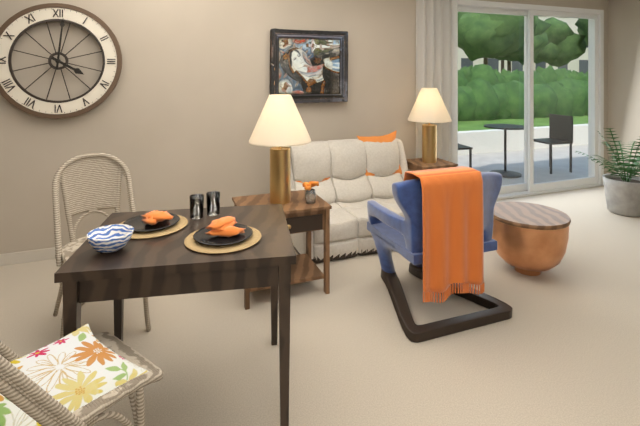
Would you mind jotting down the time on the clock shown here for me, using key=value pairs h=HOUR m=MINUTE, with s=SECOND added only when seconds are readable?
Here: h=4 m=1
